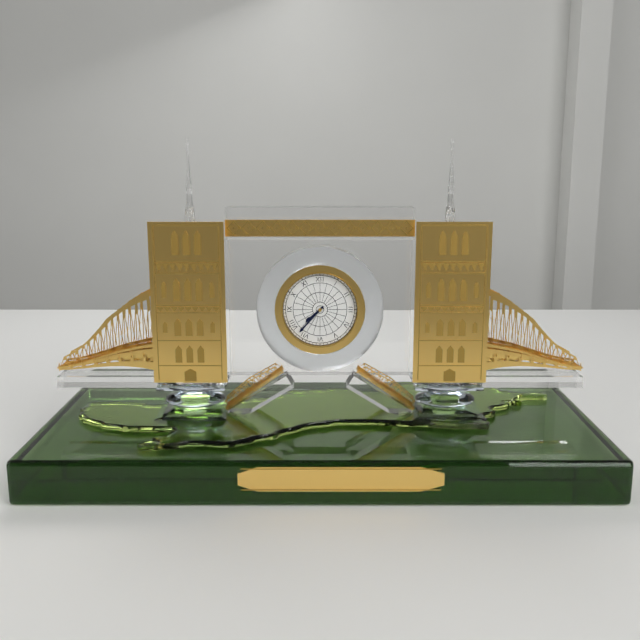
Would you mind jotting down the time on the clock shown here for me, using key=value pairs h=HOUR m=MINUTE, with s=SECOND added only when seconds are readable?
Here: h=7 m=37
